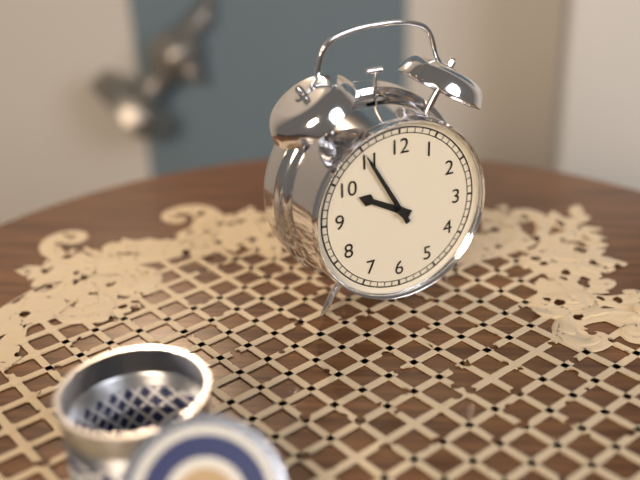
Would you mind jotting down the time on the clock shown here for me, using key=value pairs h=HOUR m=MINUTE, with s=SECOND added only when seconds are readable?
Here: h=9 m=55
